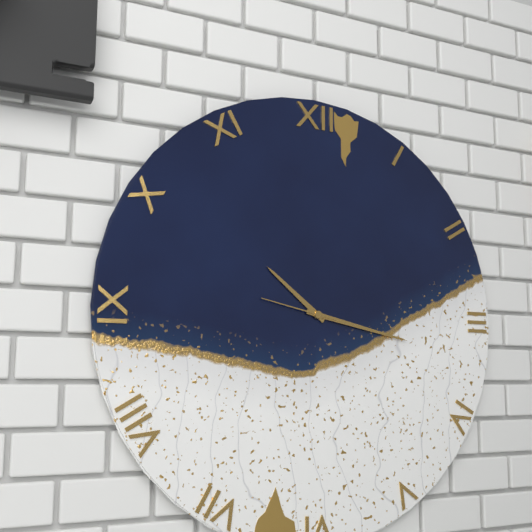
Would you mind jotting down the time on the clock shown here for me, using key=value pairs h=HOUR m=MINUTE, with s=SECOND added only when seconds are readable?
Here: h=10 m=17 s=47
